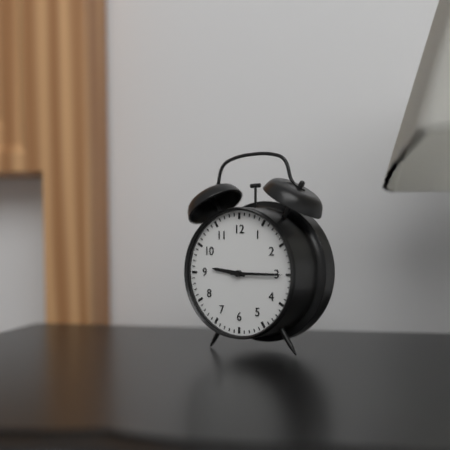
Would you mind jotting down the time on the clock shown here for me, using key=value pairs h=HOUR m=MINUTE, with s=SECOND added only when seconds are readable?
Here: h=9 m=15
